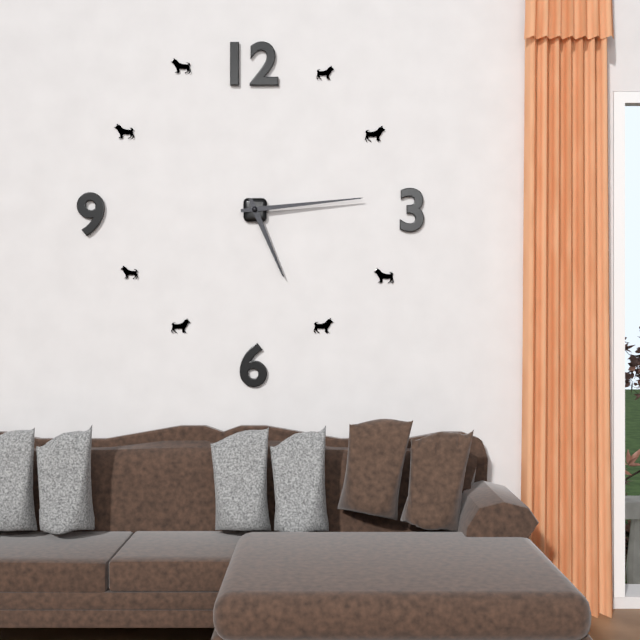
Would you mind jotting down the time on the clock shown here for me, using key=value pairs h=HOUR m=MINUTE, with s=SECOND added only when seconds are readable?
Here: h=5 m=14
